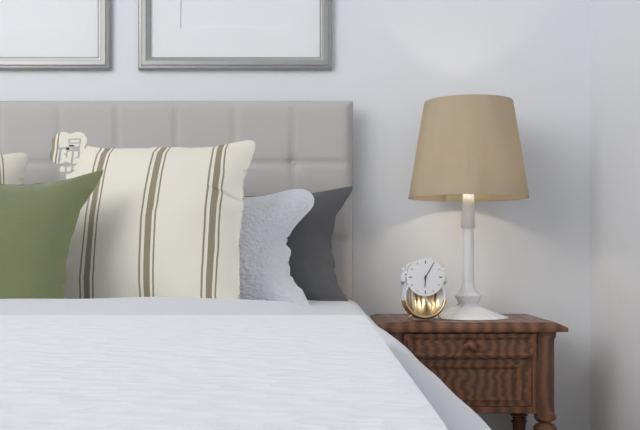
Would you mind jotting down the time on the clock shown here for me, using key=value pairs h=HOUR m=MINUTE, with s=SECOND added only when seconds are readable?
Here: h=6 m=5
